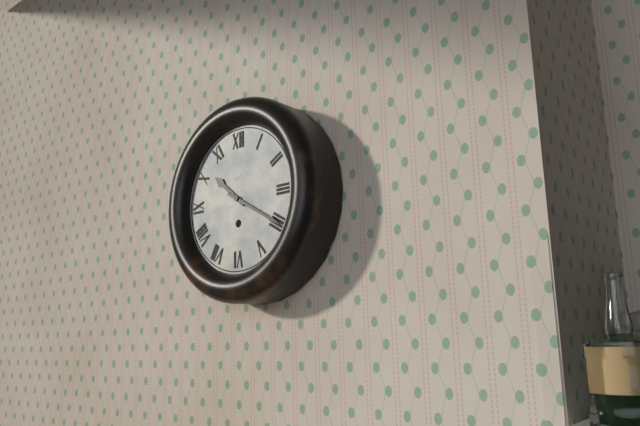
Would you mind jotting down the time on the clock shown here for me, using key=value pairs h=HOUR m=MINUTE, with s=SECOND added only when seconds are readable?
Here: h=10 m=20
